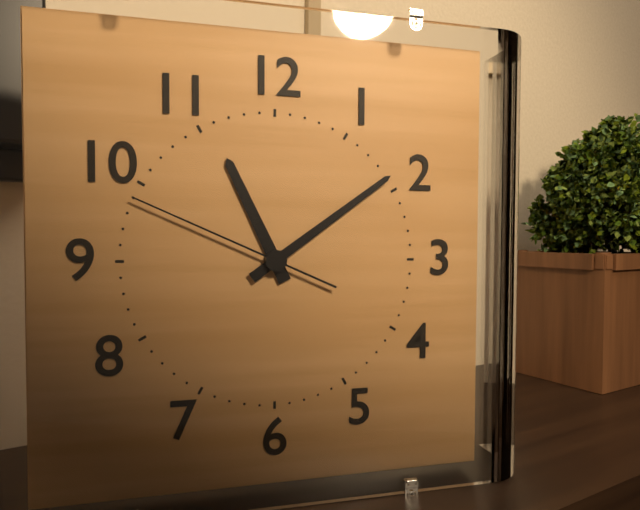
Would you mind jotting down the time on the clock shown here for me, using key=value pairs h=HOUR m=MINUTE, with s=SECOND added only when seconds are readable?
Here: h=11 m=9 s=49
